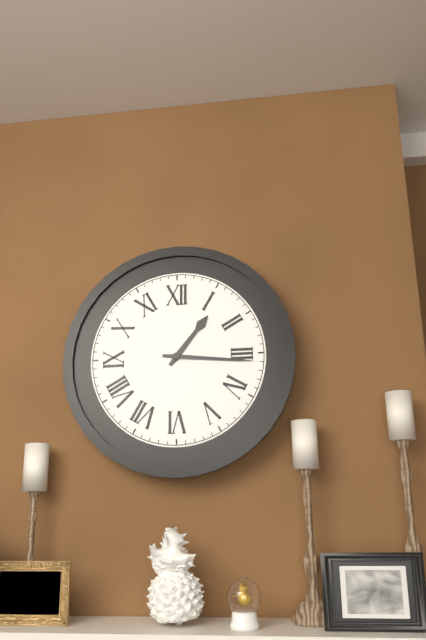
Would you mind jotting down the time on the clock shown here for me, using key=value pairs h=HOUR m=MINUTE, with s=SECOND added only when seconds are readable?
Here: h=1 m=16
